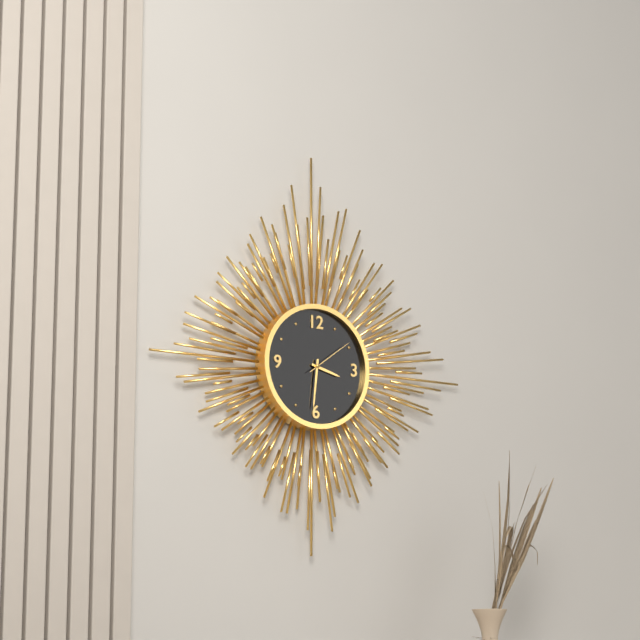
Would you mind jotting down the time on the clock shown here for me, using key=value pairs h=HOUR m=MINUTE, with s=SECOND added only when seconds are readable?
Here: h=3 m=31
